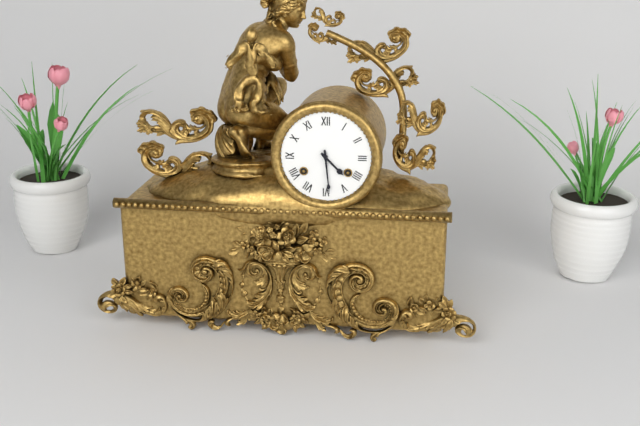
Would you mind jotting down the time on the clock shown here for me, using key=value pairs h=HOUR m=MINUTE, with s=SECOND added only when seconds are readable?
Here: h=4 m=29
